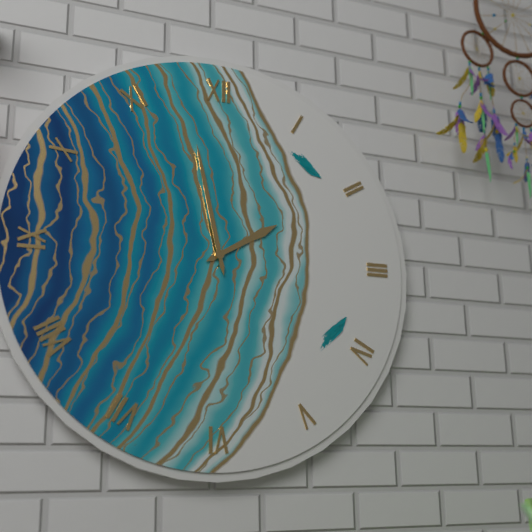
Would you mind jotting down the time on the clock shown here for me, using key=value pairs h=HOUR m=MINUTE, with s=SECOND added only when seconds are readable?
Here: h=1 m=58
